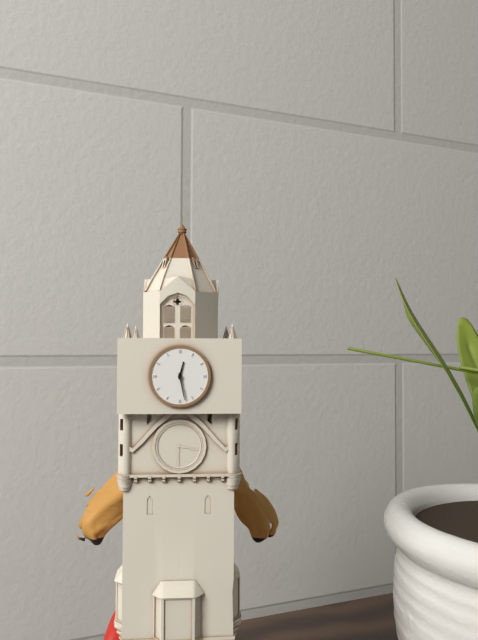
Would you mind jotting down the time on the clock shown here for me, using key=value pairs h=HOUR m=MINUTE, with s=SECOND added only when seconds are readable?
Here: h=12 m=28
